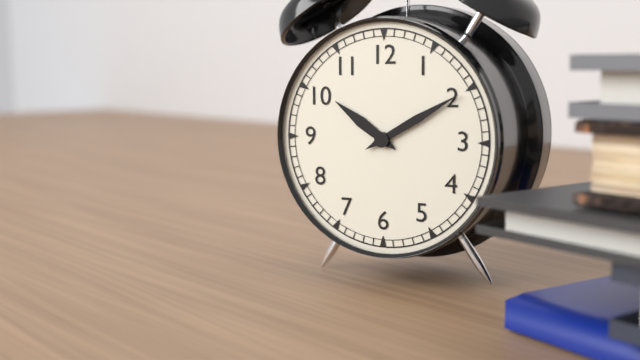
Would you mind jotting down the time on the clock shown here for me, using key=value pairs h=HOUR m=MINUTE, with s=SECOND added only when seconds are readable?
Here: h=10 m=10
